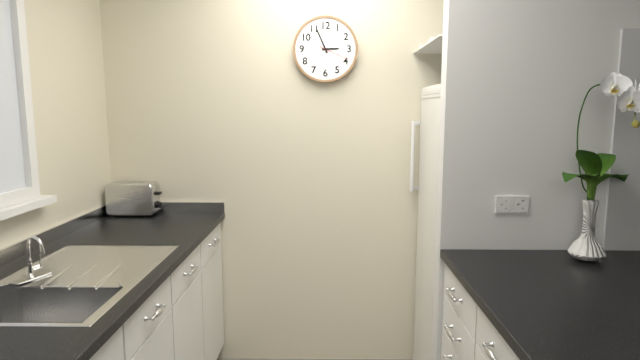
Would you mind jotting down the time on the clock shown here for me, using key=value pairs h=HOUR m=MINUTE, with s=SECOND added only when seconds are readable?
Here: h=2 m=56
